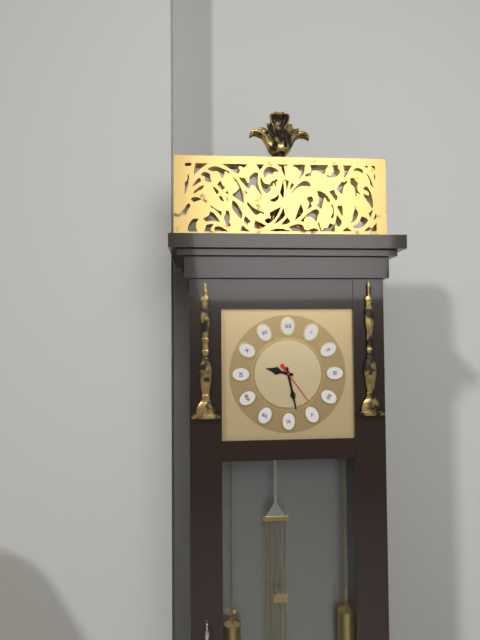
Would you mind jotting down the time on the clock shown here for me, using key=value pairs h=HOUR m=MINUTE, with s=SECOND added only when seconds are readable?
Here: h=9 m=28
